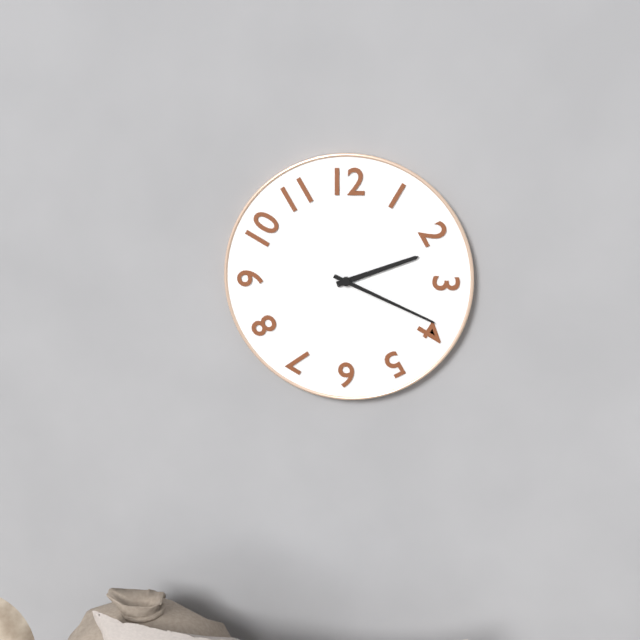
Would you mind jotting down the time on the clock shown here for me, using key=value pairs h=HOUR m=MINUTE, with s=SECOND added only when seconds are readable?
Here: h=2 m=19
